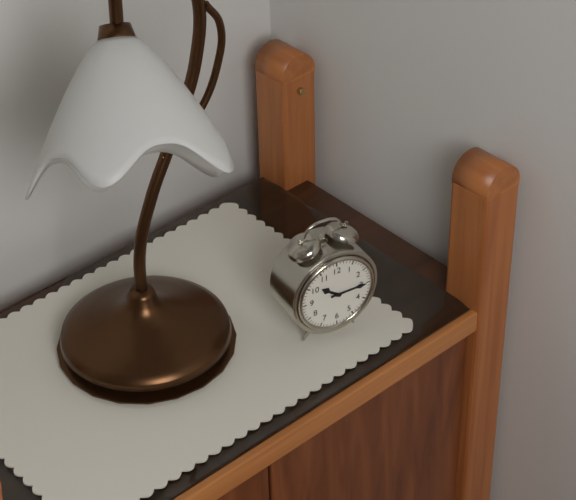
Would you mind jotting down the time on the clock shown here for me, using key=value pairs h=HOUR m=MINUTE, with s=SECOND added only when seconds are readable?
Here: h=10 m=15
